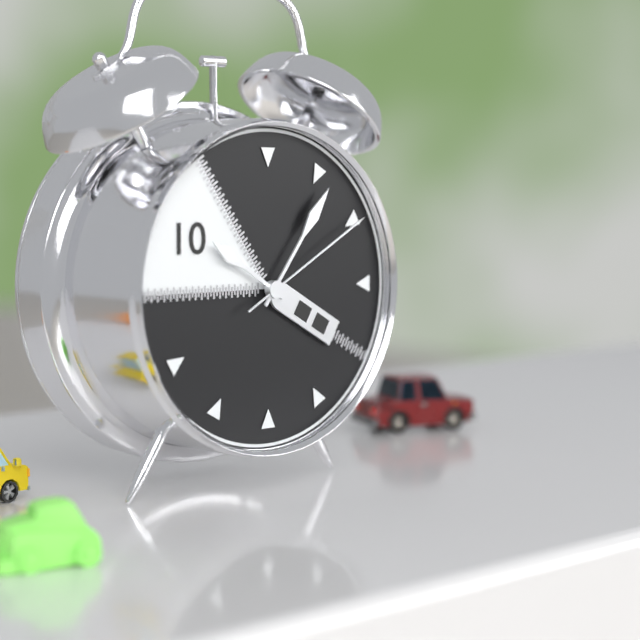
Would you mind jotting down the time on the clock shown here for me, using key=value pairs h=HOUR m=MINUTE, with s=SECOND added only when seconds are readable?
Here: h=10 m=6 s=10
